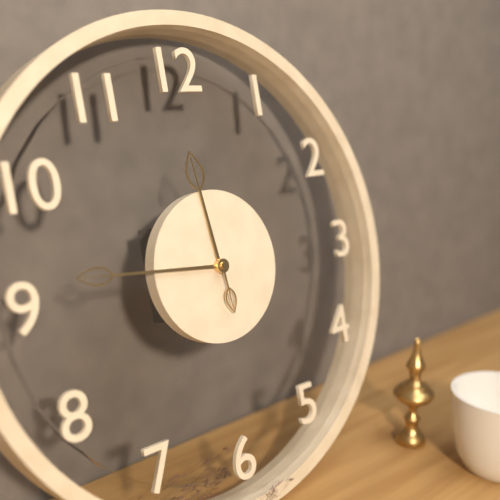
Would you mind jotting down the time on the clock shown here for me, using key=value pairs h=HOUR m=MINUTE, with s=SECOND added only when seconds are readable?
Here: h=11 m=46 s=29
